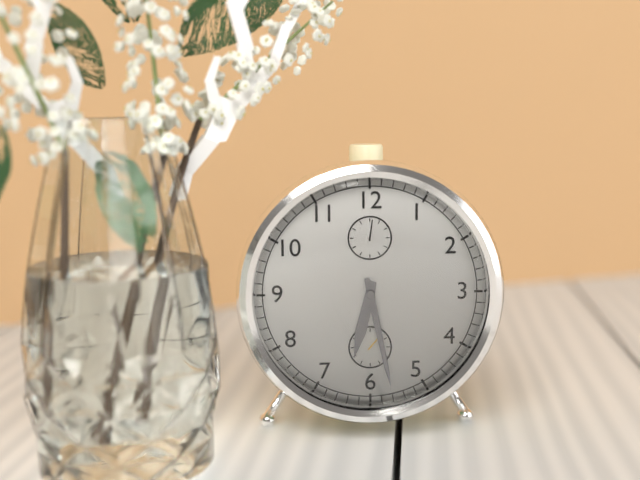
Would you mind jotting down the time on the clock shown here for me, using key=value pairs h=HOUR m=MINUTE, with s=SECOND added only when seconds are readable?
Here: h=6 m=28
